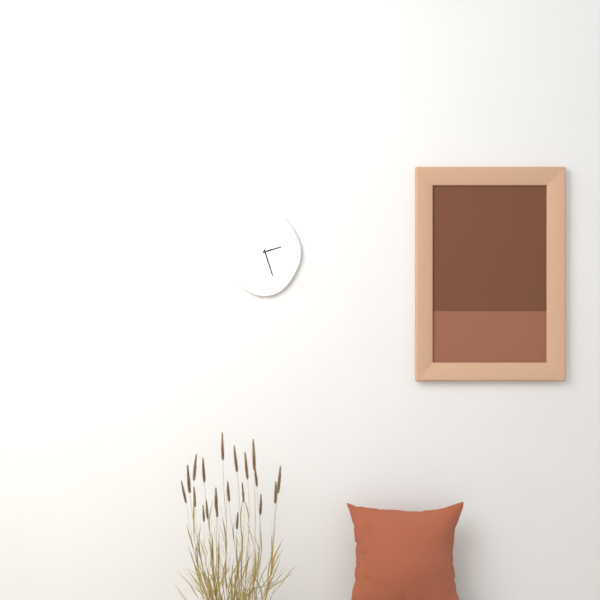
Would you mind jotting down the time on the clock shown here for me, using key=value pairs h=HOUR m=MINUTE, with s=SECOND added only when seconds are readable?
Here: h=2 m=27
